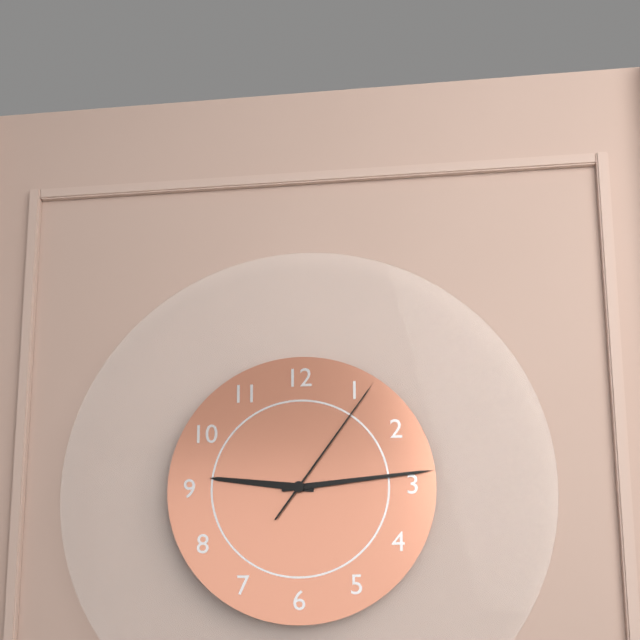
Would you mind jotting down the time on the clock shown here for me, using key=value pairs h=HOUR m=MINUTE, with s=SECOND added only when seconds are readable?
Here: h=9 m=14 s=6
